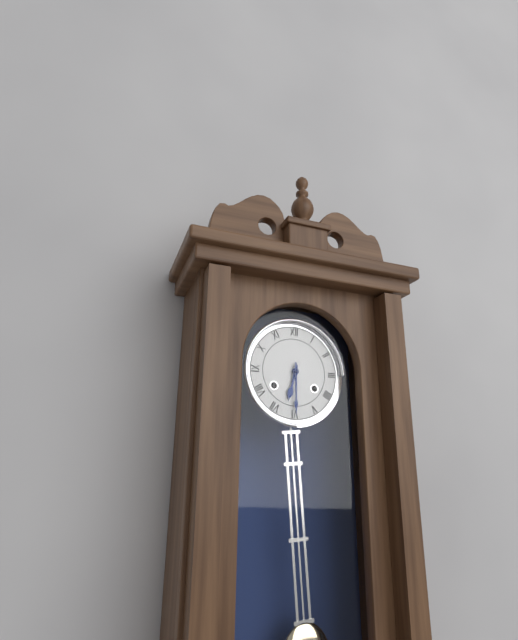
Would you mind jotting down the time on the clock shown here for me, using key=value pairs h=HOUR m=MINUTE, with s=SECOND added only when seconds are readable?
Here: h=6 m=30
